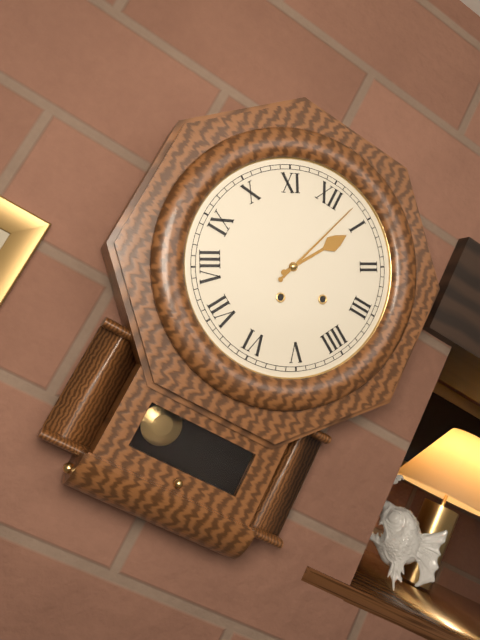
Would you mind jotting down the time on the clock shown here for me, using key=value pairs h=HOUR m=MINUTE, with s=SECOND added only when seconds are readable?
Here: h=1 m=3
